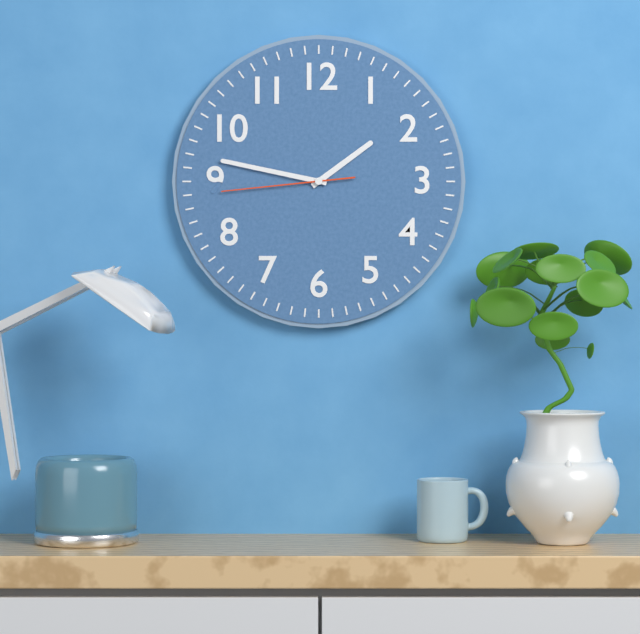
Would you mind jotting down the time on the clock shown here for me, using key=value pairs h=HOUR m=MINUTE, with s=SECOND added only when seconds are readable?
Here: h=1 m=47 s=44
